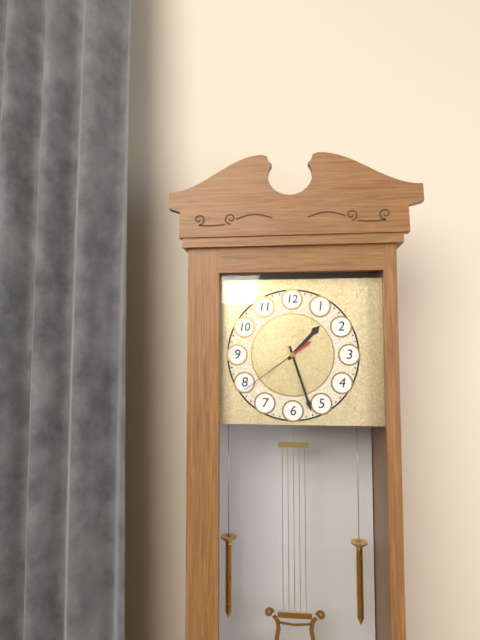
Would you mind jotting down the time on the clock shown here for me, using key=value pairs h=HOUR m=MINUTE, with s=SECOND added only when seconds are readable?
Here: h=1 m=27 s=39
